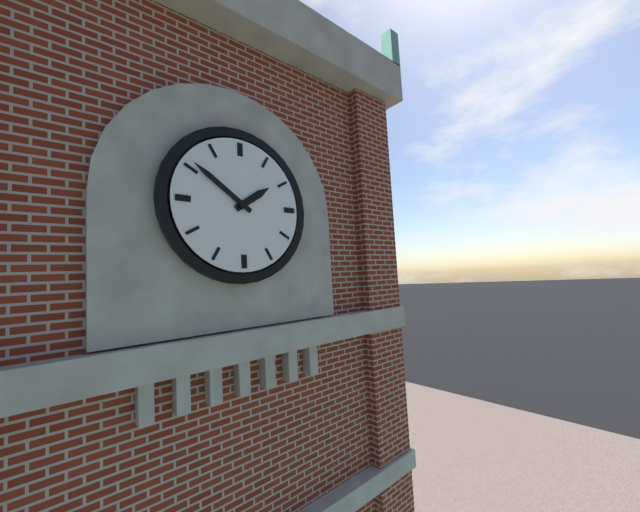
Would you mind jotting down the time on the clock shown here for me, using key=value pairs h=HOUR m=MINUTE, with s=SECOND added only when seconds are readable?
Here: h=1 m=51
